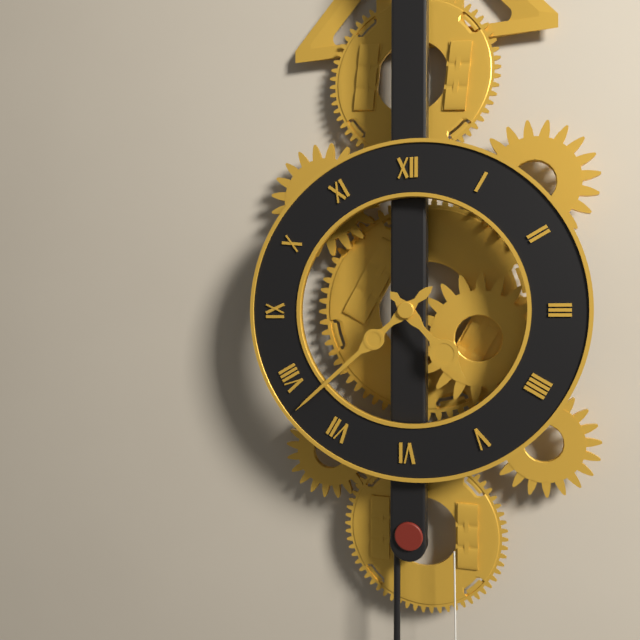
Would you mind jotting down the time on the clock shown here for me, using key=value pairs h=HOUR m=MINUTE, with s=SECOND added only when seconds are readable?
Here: h=4 m=38
